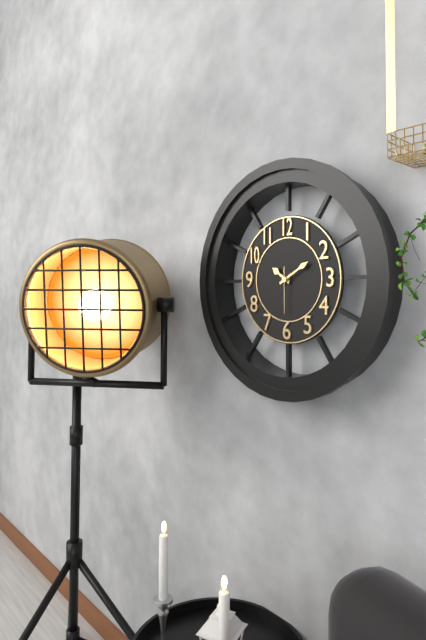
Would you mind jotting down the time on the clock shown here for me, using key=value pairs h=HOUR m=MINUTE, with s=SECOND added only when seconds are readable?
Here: h=10 m=10
